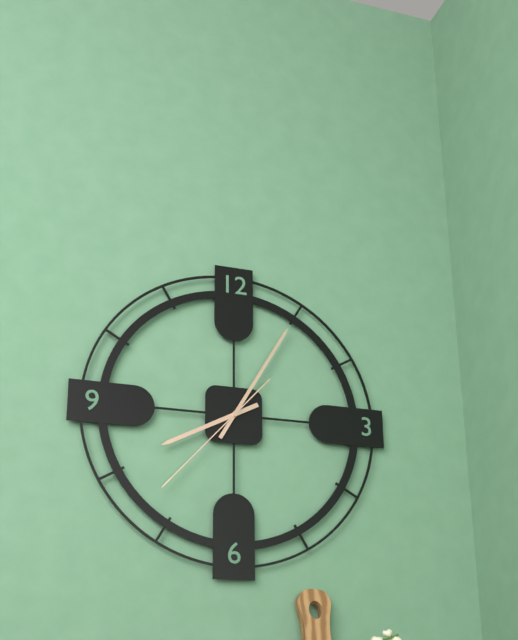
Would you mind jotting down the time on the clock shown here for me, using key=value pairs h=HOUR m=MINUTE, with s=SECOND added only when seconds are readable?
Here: h=8 m=5 s=37
